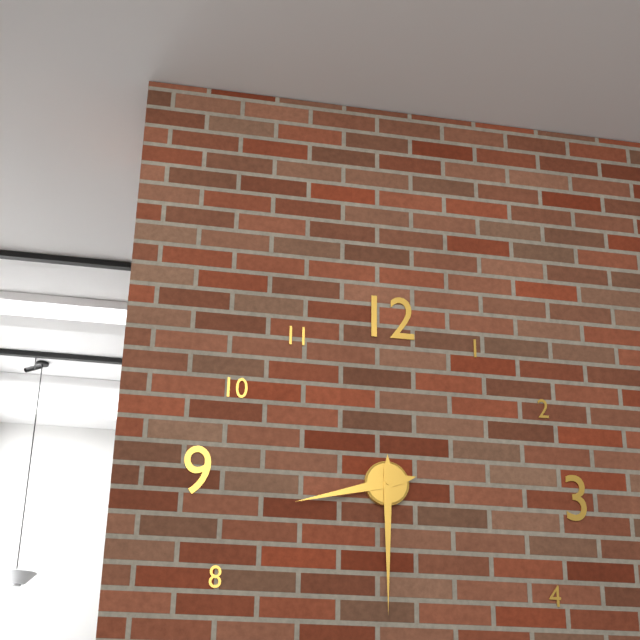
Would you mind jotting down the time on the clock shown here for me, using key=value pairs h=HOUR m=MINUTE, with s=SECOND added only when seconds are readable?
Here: h=8 m=30
